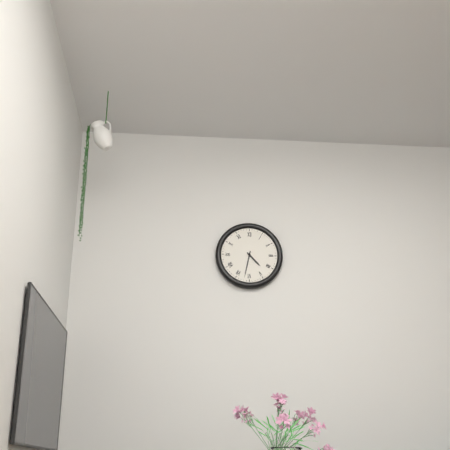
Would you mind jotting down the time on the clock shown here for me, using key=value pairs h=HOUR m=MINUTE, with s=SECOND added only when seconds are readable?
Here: h=4 m=32
